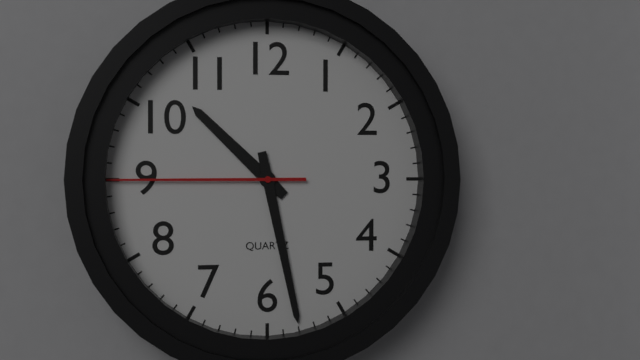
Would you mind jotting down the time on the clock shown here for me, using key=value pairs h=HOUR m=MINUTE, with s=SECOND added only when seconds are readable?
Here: h=10 m=28 s=45
